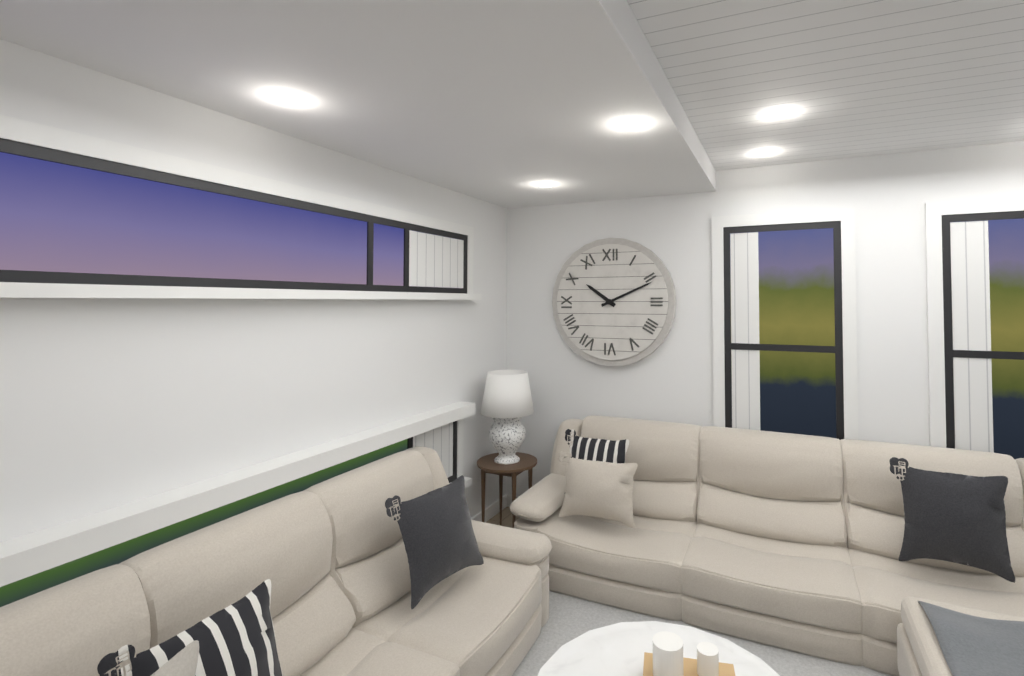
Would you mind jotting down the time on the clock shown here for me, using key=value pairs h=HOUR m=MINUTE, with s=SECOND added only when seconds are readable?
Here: h=10 m=11
